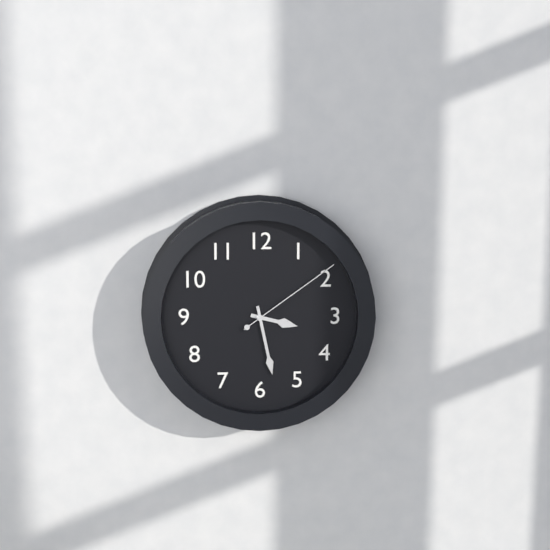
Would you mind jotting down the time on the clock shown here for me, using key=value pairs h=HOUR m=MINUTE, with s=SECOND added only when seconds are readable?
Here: h=3 m=28 s=9
